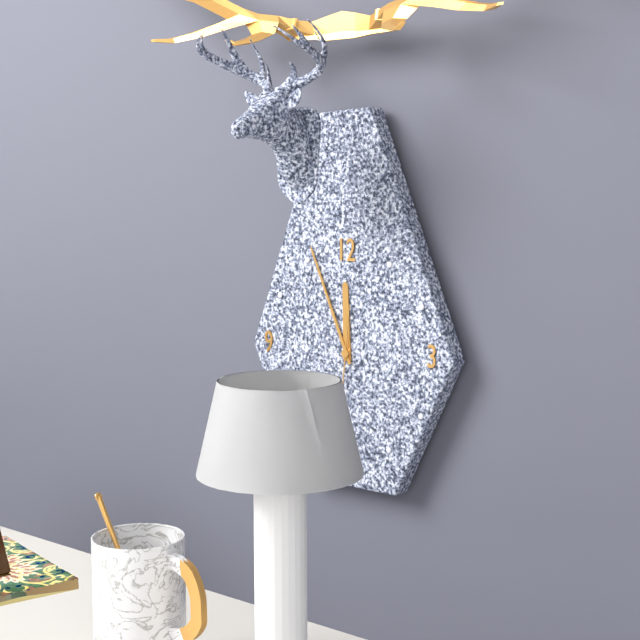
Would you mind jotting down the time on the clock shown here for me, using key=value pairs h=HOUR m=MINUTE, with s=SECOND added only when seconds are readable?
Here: h=11 m=56
